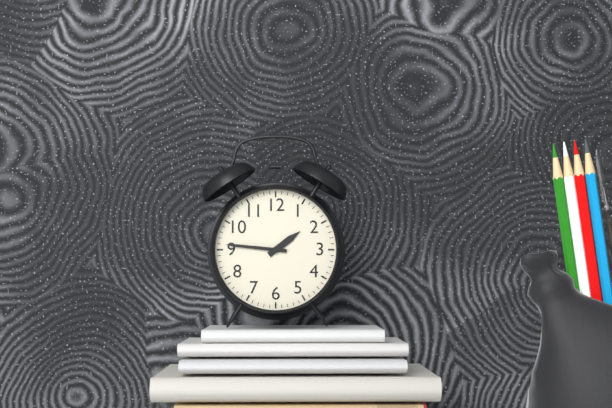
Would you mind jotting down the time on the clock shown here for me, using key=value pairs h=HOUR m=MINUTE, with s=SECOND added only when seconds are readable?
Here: h=1 m=46
